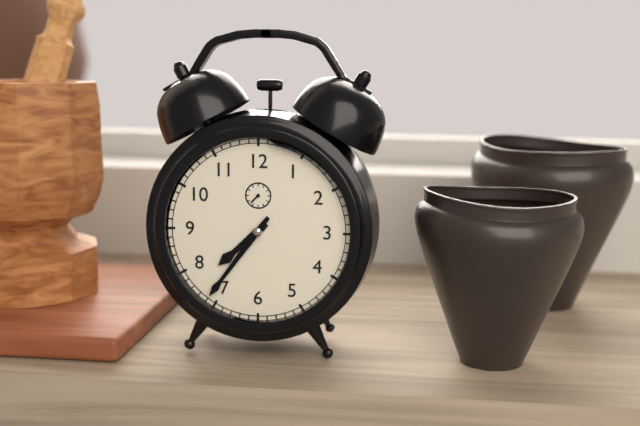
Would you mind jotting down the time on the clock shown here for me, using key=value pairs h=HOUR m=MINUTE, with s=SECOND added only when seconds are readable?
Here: h=7 m=36
